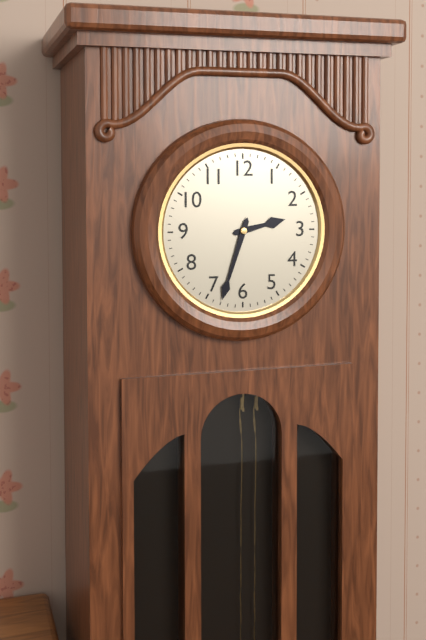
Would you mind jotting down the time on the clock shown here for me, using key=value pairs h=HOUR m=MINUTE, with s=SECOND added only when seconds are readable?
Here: h=2 m=33
